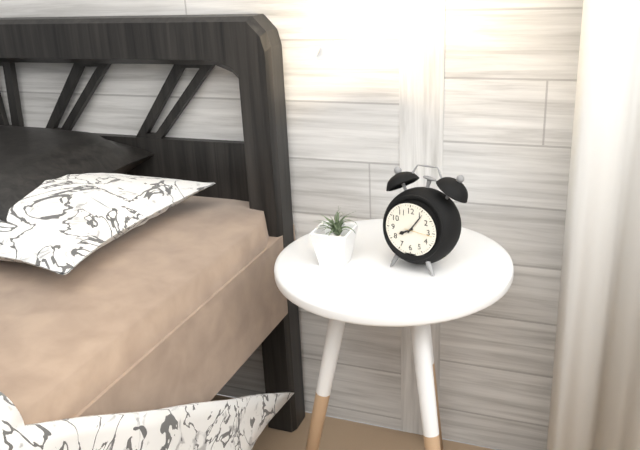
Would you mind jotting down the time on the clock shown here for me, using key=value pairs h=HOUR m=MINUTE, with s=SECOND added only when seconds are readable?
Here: h=8 m=6
